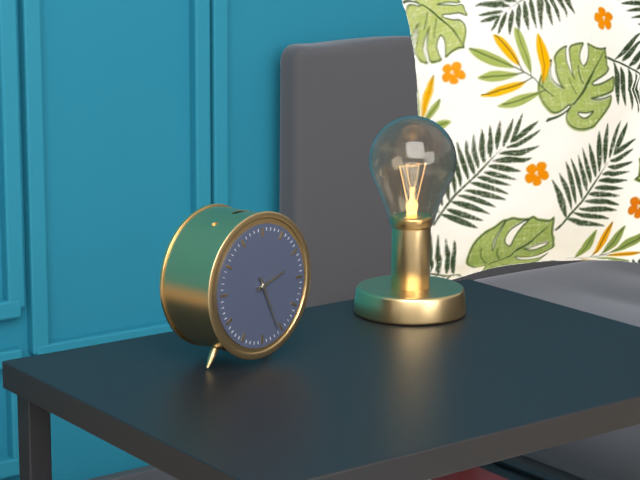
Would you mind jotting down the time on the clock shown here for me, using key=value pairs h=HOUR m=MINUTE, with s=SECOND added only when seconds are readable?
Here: h=2 m=26
